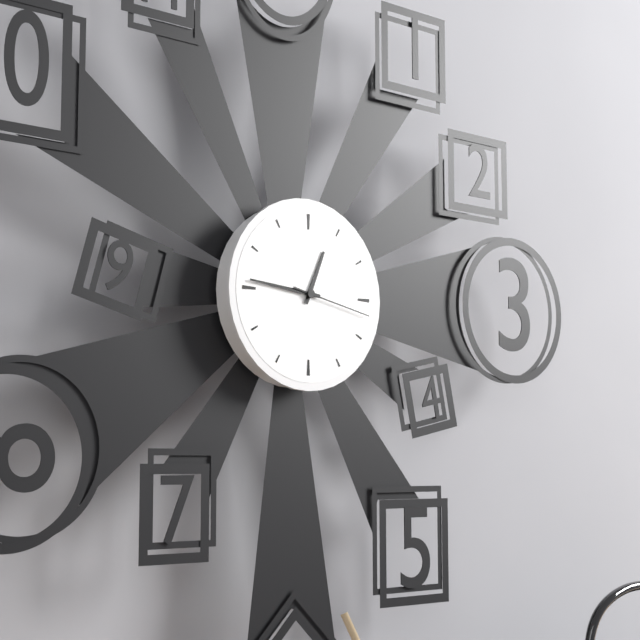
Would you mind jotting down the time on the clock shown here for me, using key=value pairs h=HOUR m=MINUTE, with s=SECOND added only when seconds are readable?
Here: h=12 m=46 s=17
